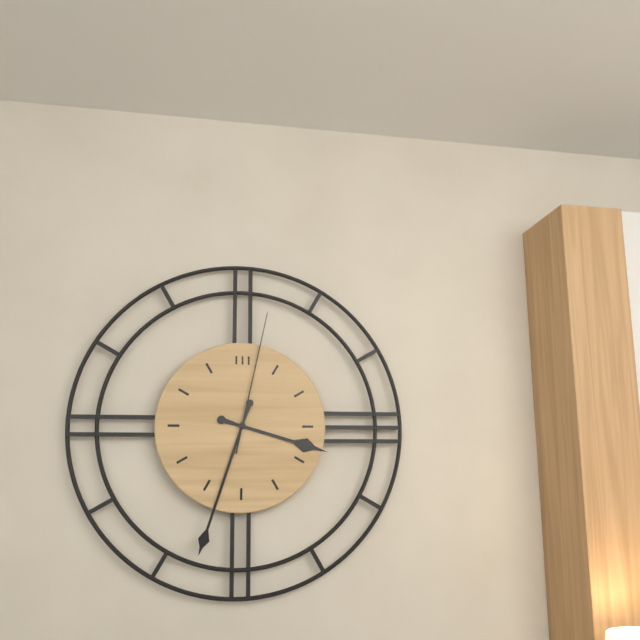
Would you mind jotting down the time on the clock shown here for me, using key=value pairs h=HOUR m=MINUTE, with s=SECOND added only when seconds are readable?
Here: h=3 m=33 s=2
